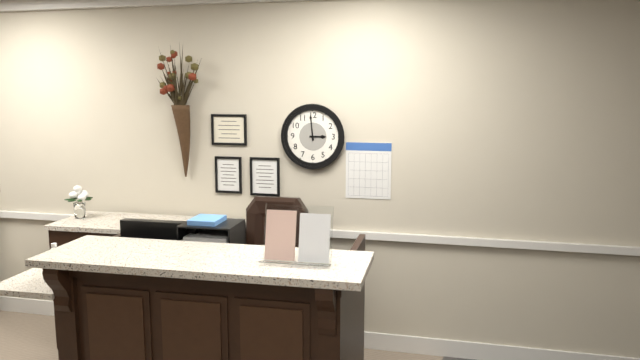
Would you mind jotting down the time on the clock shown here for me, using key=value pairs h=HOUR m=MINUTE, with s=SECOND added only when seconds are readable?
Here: h=2 m=59
